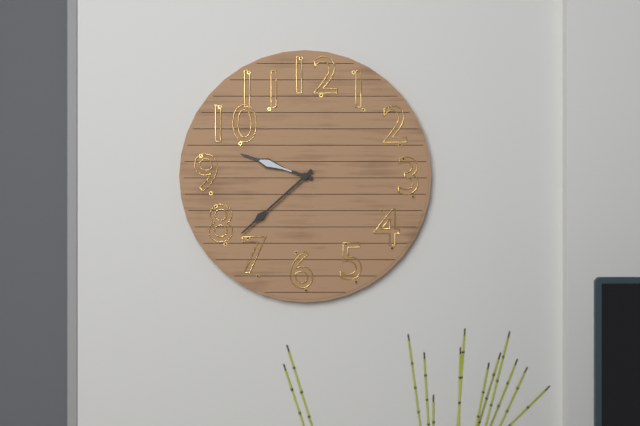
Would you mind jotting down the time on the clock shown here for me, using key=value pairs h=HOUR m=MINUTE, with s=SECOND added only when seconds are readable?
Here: h=9 m=38
